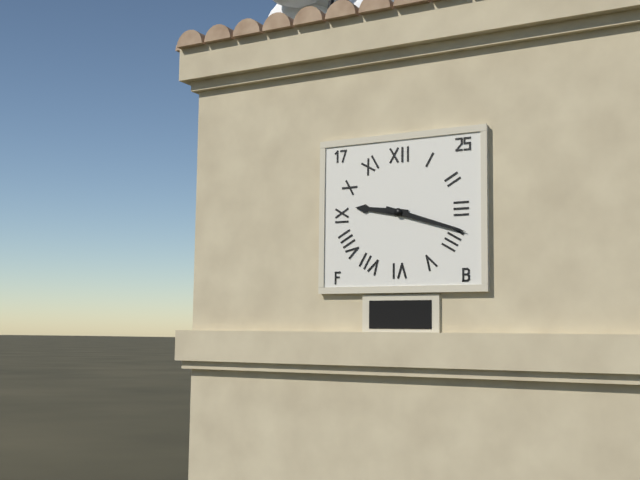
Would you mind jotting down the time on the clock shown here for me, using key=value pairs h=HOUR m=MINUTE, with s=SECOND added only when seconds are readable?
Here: h=9 m=18
